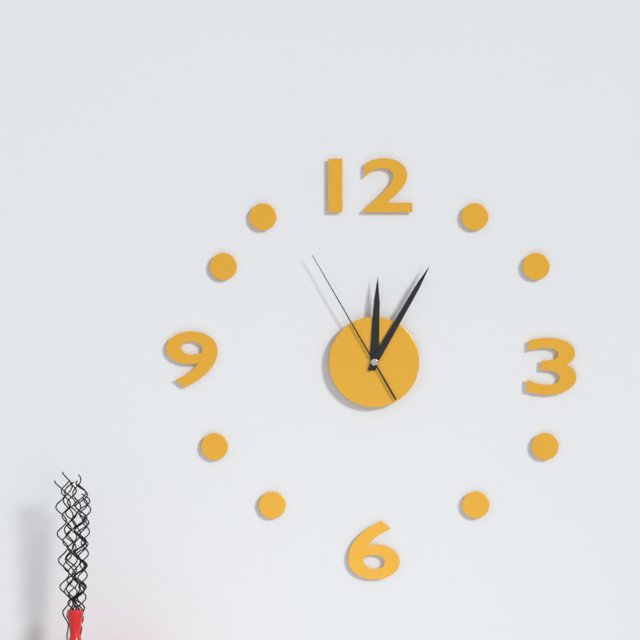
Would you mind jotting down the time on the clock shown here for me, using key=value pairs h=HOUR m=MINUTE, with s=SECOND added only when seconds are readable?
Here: h=12 m=5 s=55
